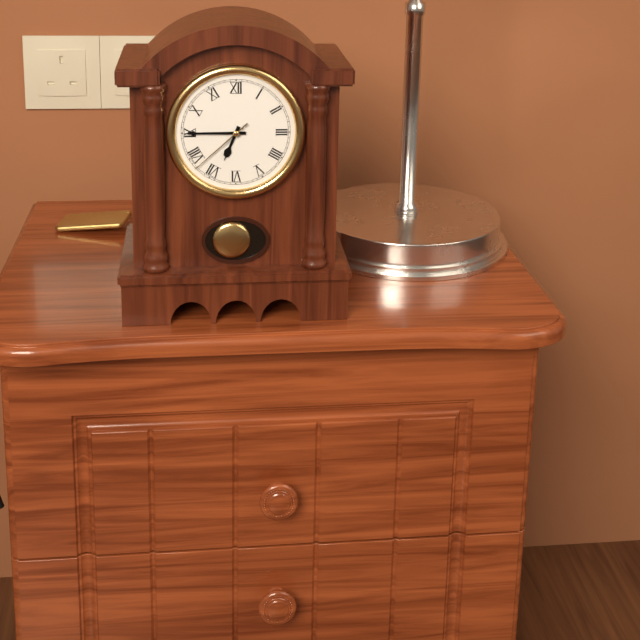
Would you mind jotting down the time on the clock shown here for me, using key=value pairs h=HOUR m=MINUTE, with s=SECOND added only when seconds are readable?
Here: h=6 m=45 s=38
